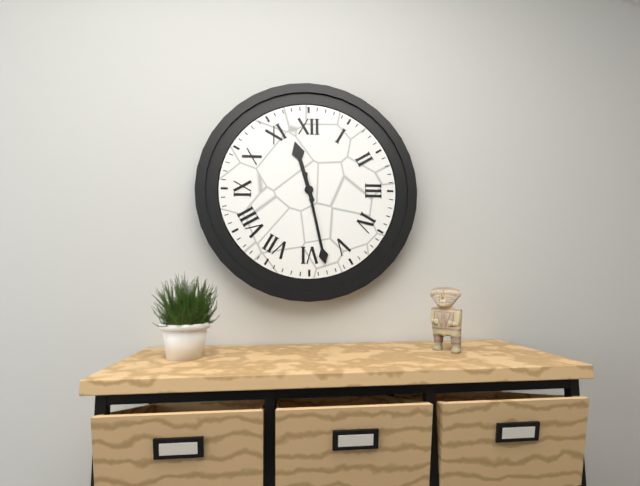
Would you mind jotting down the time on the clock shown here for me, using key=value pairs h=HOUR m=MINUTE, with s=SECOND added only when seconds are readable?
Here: h=11 m=28
